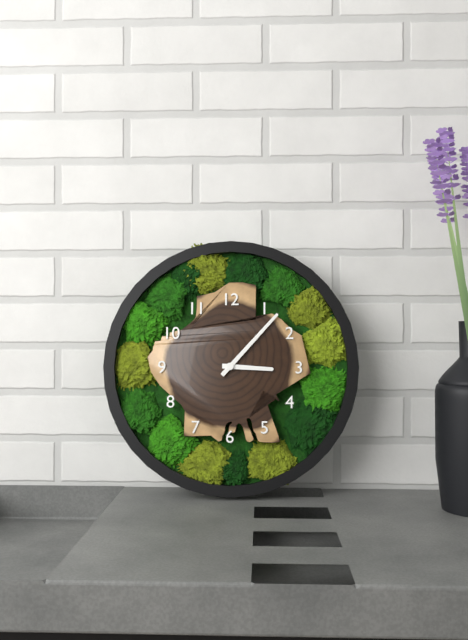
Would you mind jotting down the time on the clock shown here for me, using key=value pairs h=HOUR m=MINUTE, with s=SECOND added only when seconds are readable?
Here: h=3 m=7
